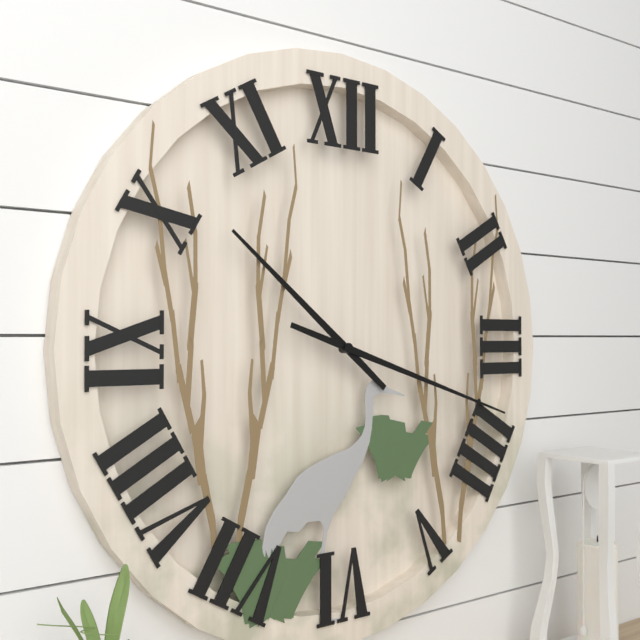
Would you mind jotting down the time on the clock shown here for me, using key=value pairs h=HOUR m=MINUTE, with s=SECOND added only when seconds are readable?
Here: h=10 m=18
